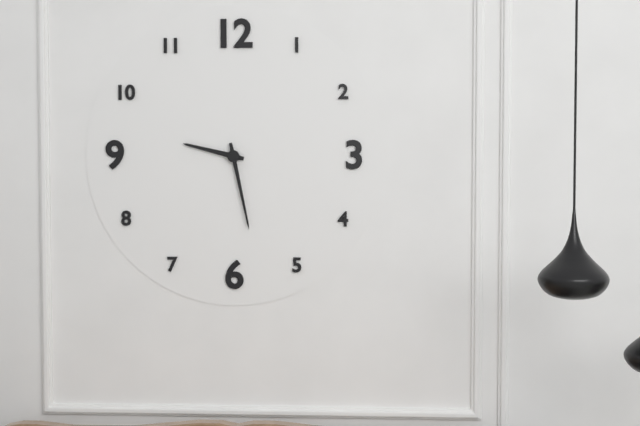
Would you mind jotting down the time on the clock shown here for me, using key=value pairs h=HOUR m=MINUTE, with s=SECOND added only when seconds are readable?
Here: h=9 m=28
